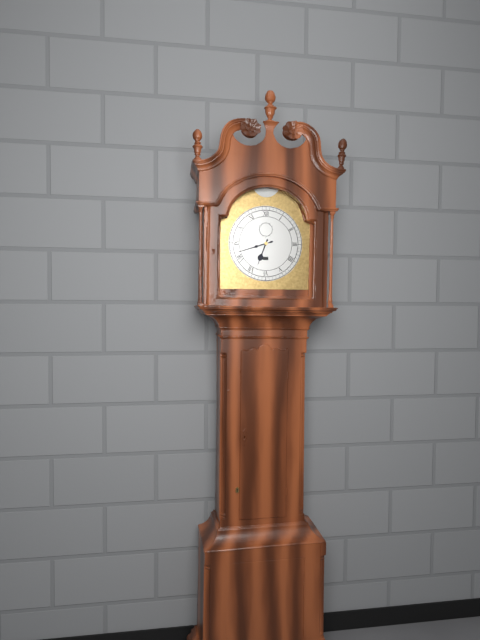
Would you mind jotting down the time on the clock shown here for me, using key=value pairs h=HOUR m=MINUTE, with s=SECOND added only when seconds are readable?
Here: h=6 m=42
